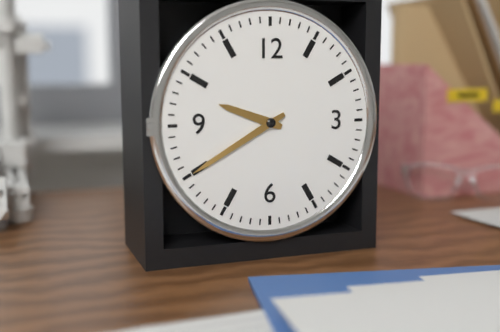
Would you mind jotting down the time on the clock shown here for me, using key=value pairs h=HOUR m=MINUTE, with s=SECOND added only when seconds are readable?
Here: h=9 m=40
